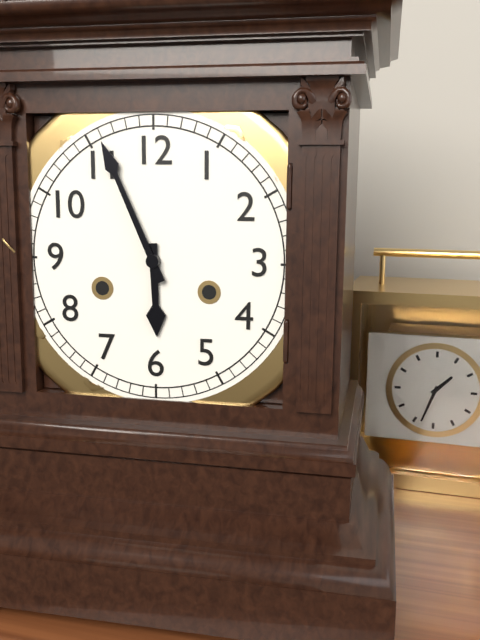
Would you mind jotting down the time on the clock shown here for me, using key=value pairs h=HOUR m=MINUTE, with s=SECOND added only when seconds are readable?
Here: h=5 m=56
